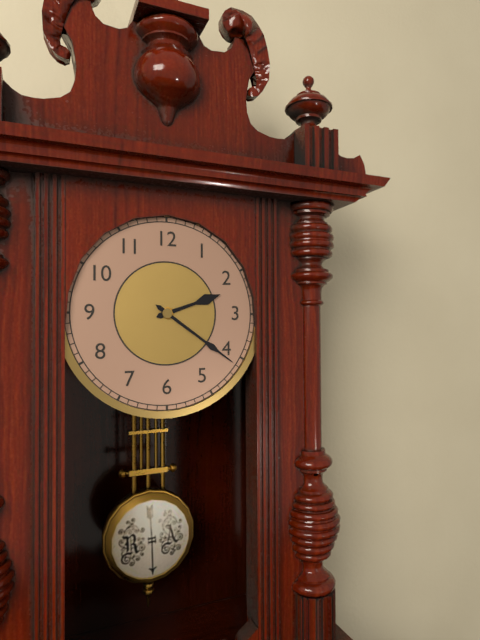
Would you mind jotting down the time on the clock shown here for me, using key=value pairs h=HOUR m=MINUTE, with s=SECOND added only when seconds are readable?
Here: h=2 m=21
